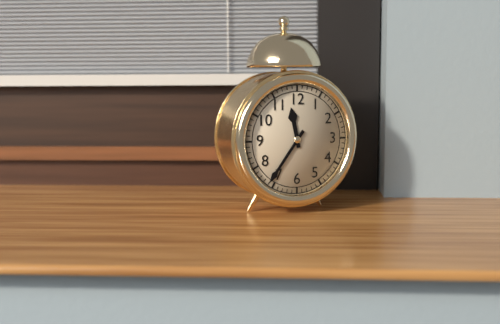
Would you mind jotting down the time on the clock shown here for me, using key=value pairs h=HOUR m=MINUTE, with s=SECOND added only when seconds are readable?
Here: h=11 m=36
